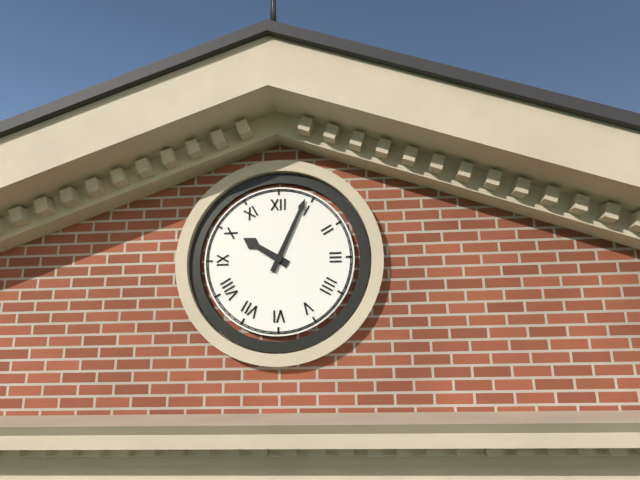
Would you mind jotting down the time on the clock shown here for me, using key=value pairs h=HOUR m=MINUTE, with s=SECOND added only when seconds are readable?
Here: h=10 m=4
